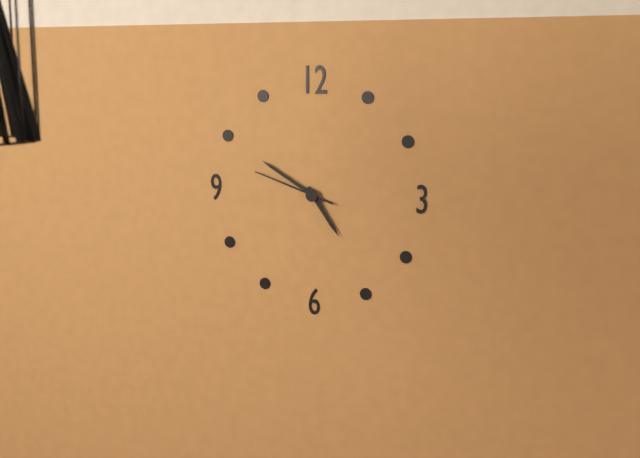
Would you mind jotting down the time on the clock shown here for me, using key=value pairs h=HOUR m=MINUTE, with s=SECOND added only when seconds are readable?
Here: h=4 m=50 s=48
